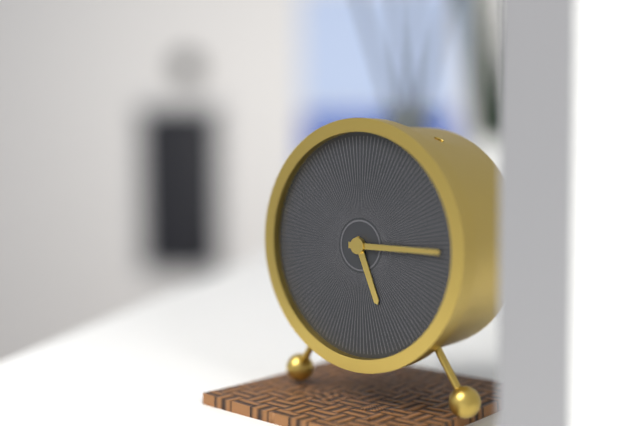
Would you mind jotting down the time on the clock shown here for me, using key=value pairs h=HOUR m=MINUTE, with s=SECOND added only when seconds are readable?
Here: h=5 m=15
